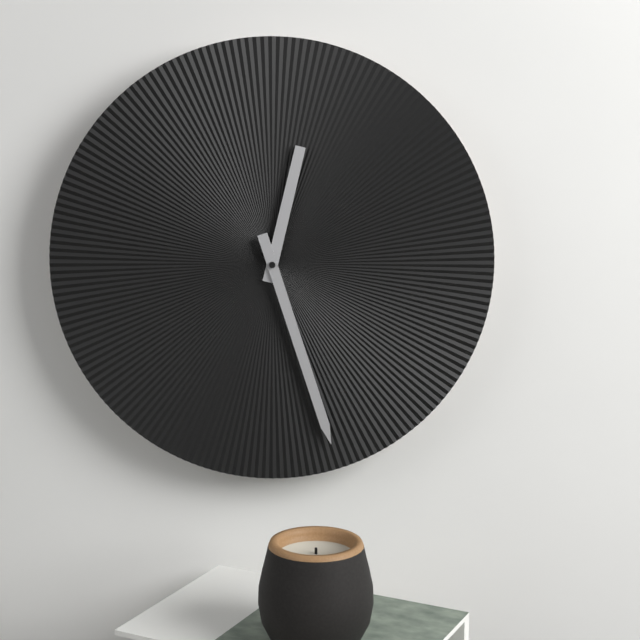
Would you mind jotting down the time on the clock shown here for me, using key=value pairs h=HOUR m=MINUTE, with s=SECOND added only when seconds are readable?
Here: h=12 m=27
